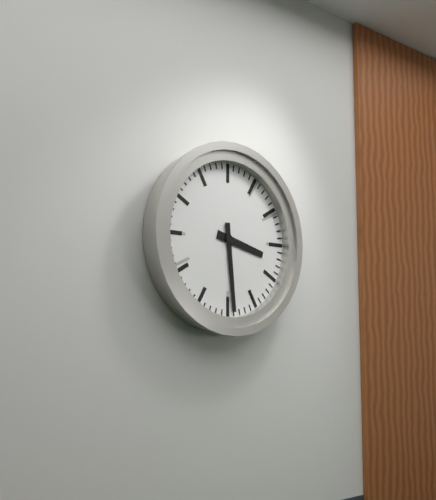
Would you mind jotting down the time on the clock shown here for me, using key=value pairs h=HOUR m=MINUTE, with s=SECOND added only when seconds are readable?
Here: h=3 m=29
